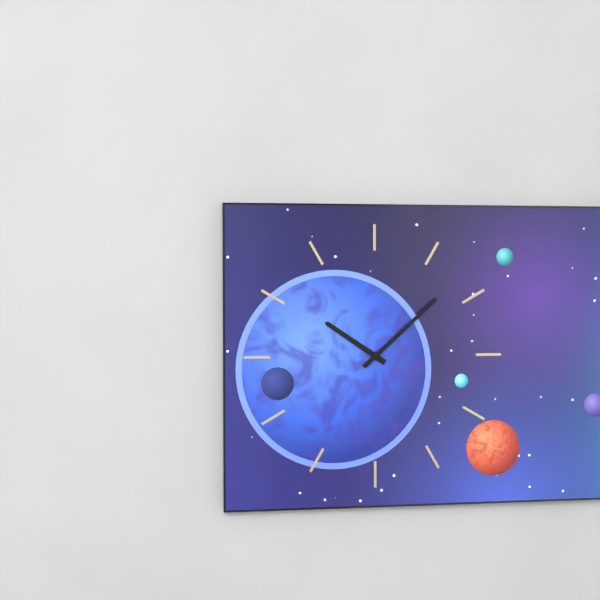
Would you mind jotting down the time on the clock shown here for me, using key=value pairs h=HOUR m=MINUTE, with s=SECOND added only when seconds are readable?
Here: h=10 m=8
